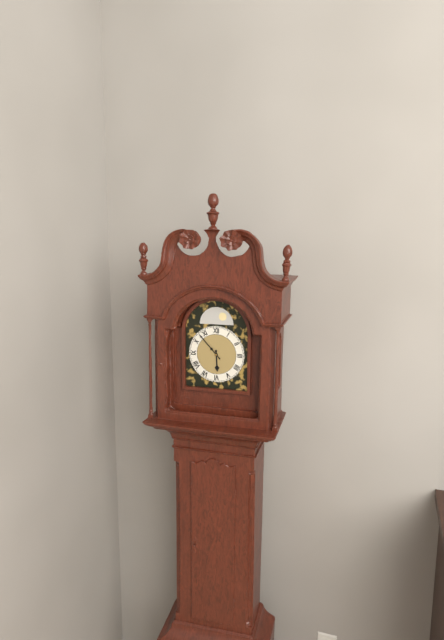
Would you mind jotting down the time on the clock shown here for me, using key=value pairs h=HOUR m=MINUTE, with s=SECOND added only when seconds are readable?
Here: h=5 m=53
